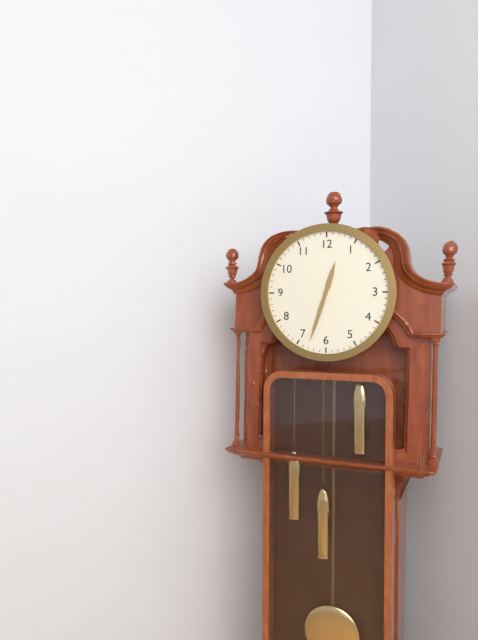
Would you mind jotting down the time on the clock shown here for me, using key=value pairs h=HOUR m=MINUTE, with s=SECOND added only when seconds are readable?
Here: h=12 m=33
